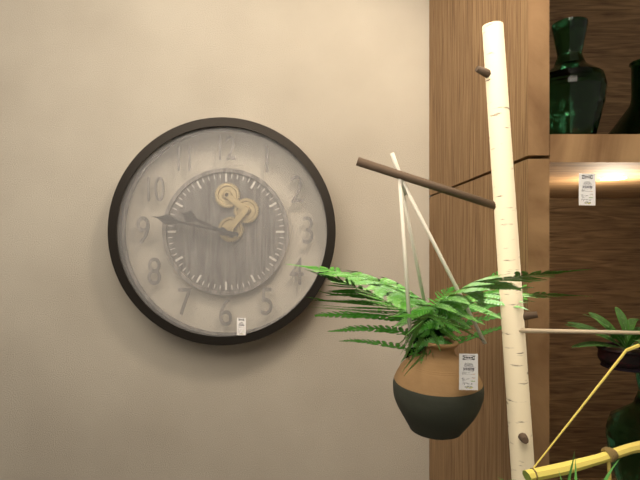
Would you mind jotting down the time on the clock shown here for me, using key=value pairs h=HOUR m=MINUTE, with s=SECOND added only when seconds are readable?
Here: h=9 m=47
